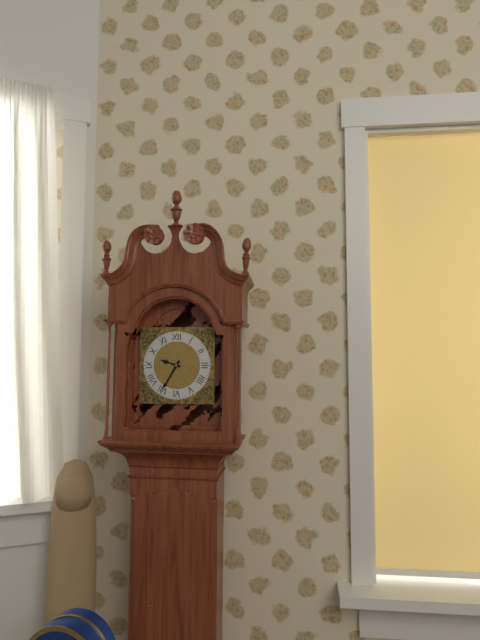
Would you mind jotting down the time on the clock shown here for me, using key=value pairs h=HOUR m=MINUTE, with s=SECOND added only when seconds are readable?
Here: h=9 m=35
